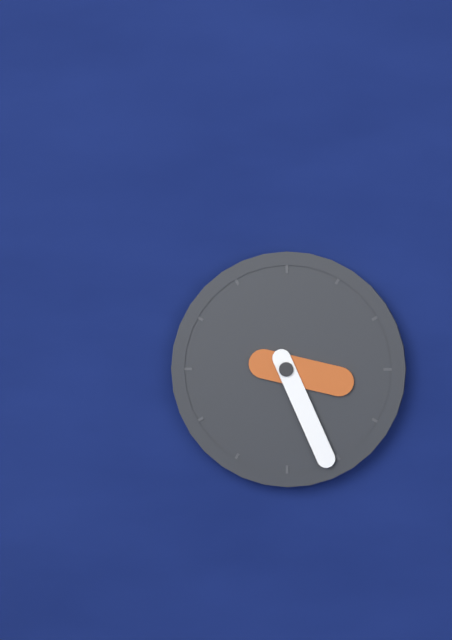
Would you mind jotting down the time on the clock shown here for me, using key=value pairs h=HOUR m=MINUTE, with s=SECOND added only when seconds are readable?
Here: h=3 m=26
